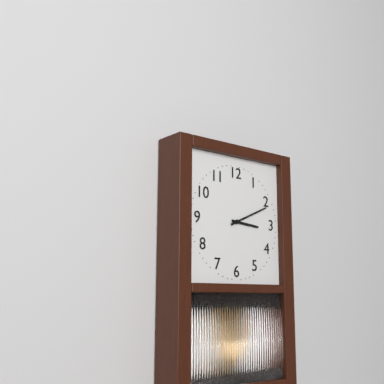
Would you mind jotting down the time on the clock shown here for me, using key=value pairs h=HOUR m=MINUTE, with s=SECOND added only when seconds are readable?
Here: h=3 m=11
